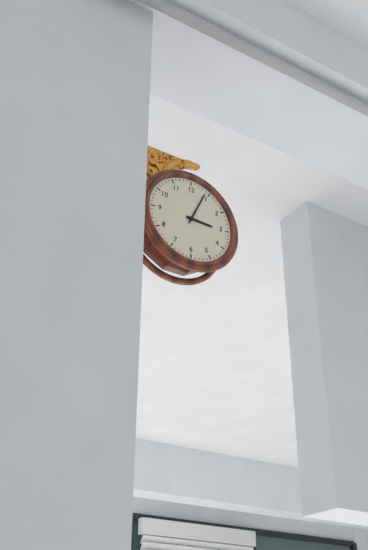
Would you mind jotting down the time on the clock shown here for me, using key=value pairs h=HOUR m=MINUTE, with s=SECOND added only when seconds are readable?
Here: h=3 m=4
